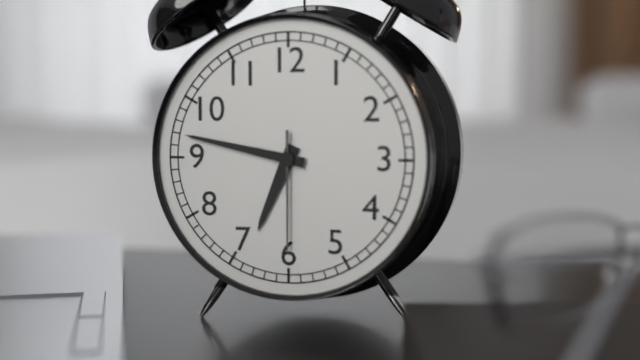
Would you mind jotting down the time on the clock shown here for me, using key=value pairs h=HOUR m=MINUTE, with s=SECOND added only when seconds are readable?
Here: h=6 m=47 s=30
